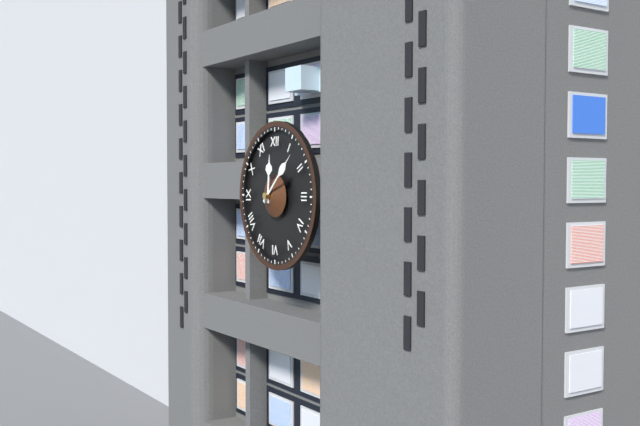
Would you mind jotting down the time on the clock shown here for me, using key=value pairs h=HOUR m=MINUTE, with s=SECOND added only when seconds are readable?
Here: h=12 m=8
